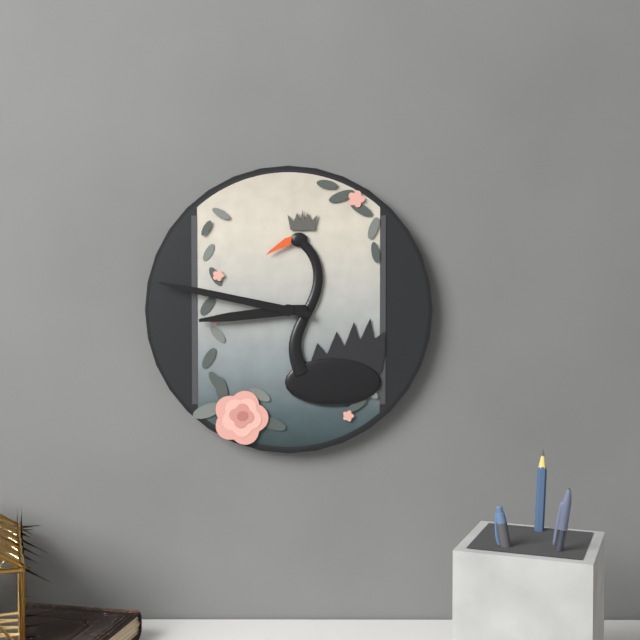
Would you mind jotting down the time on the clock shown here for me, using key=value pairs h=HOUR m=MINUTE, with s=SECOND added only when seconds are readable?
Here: h=8 m=47
